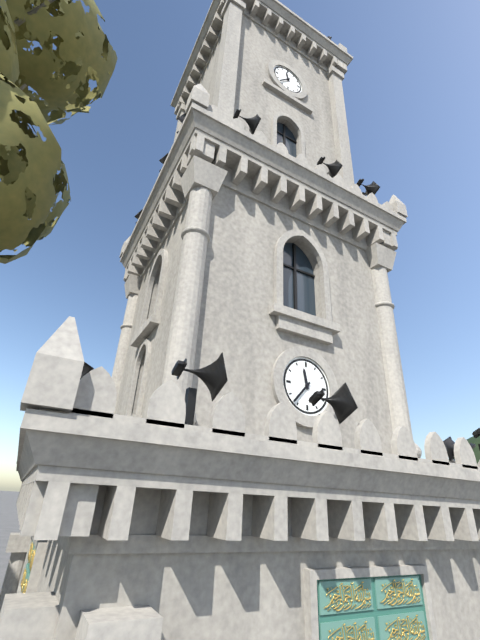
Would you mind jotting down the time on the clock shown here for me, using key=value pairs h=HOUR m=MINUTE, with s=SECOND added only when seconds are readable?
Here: h=11 m=37
